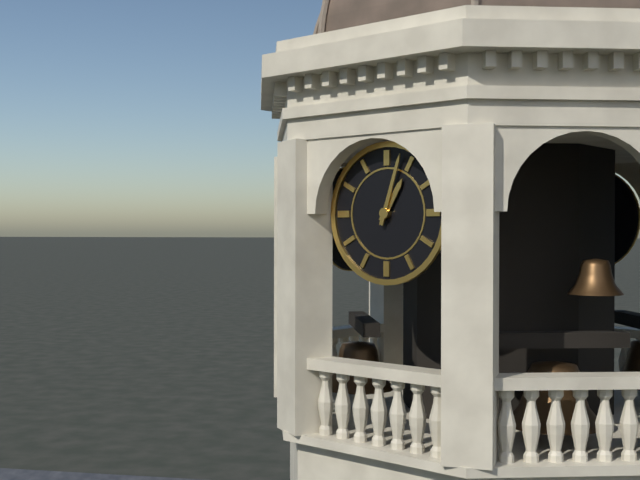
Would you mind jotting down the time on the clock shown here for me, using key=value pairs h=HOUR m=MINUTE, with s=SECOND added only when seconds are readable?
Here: h=1 m=3
